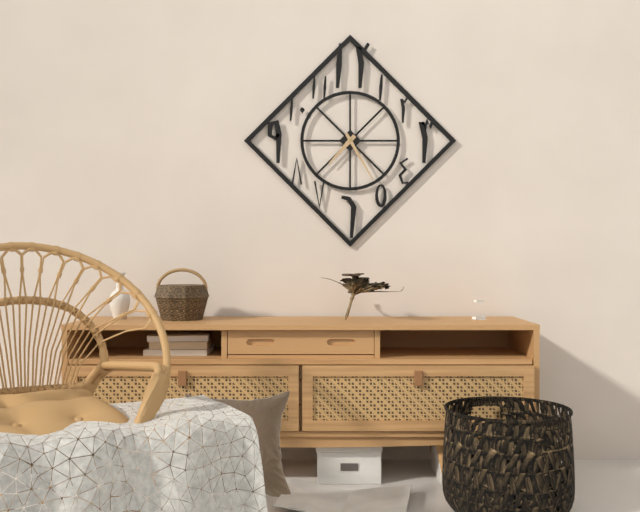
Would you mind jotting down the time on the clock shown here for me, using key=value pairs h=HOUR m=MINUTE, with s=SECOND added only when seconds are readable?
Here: h=7 m=25
